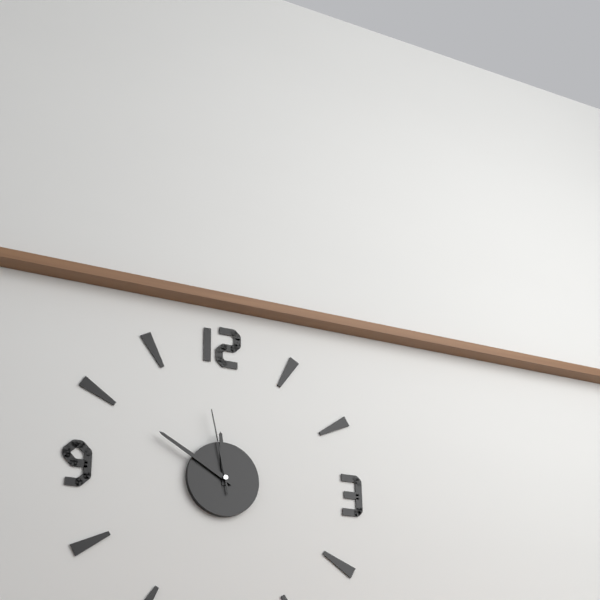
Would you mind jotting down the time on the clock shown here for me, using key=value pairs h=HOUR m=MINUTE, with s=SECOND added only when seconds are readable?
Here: h=11 m=50 s=58
